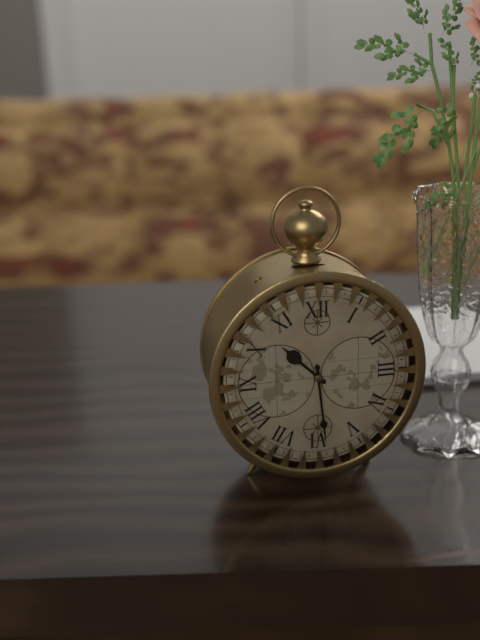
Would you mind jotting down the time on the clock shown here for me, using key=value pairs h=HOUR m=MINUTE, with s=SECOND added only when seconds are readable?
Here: h=10 m=29
